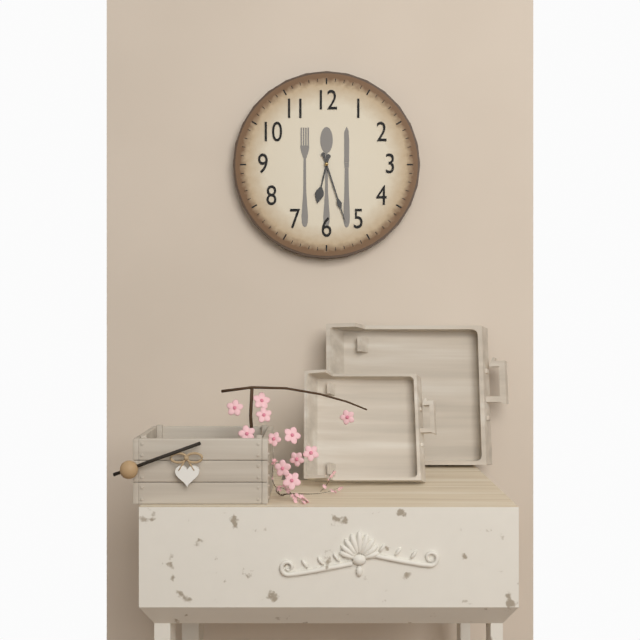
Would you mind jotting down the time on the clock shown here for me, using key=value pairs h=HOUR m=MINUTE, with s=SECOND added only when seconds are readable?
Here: h=6 m=27
